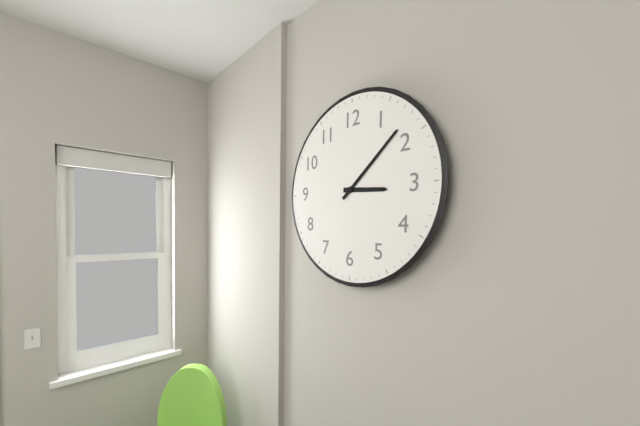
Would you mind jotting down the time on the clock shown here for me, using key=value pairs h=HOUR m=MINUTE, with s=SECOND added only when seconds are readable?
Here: h=3 m=8
